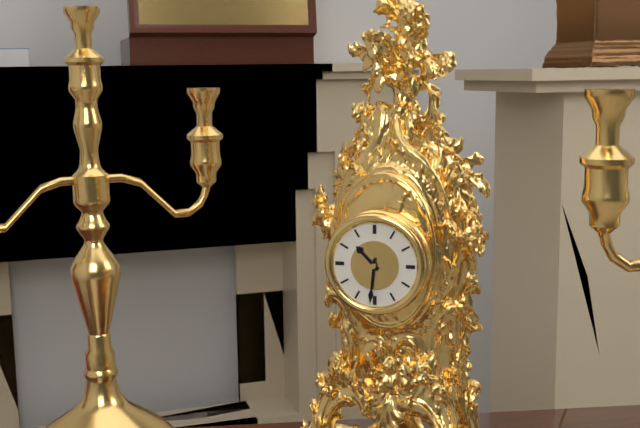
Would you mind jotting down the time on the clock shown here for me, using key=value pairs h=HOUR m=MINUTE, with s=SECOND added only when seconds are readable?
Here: h=10 m=31
